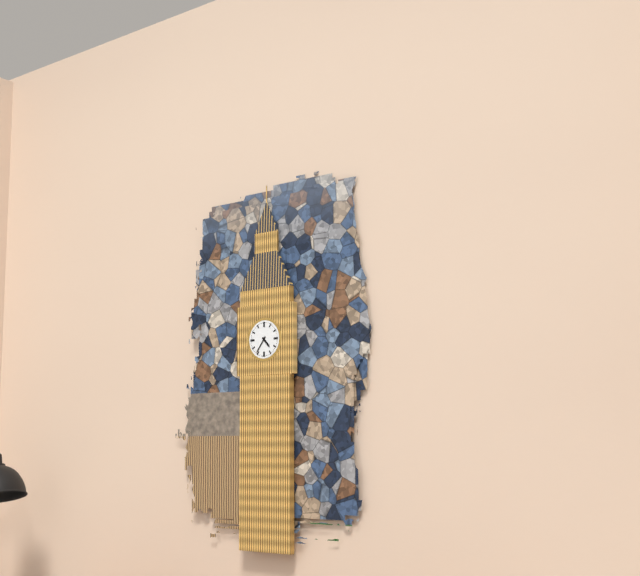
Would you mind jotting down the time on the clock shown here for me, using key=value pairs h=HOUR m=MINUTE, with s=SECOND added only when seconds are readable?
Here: h=4 m=36
